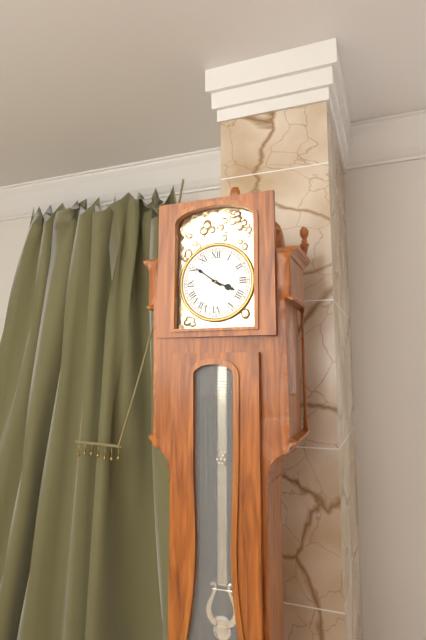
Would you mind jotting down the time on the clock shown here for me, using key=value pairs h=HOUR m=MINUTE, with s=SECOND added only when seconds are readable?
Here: h=3 m=51
